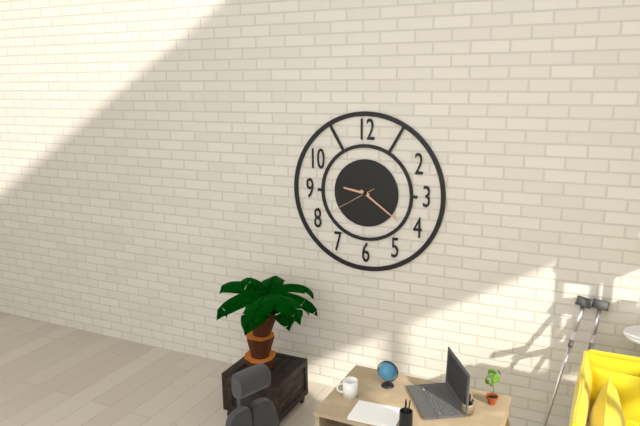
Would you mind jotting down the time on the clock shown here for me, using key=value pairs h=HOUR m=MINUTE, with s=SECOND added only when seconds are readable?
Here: h=9 m=21
